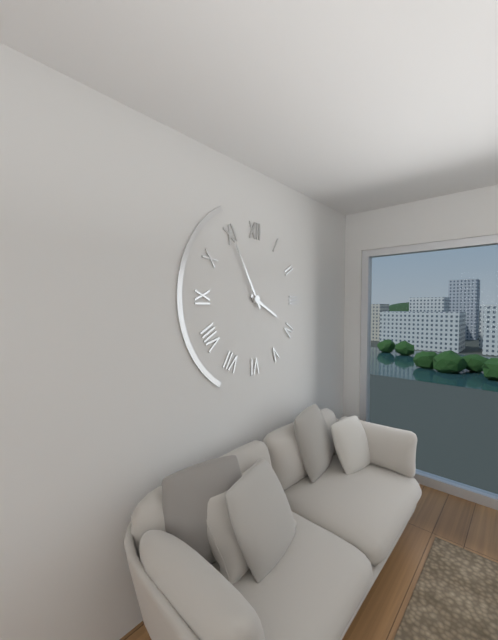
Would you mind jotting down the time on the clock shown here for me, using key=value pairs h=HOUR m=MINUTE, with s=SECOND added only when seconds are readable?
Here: h=3 m=55
